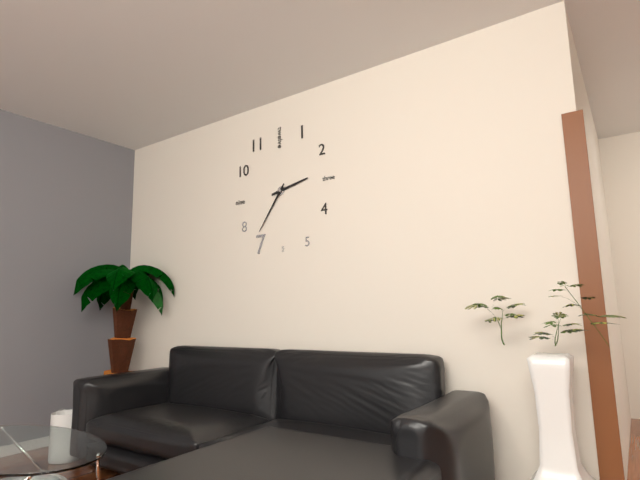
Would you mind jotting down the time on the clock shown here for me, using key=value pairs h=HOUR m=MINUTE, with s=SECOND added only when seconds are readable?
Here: h=2 m=36
